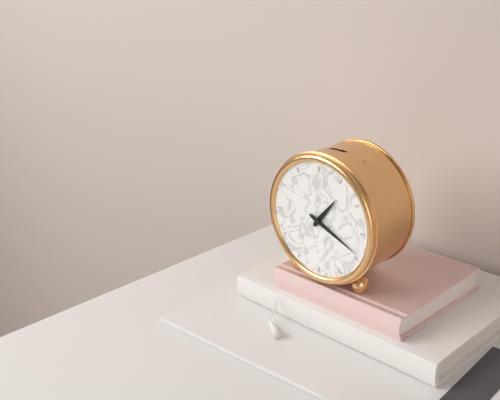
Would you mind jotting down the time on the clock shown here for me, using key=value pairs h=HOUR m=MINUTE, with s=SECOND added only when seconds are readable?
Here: h=1 m=19
